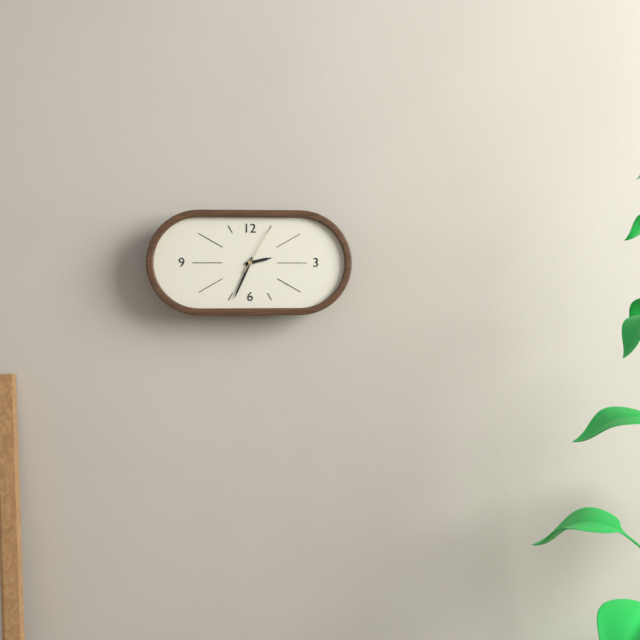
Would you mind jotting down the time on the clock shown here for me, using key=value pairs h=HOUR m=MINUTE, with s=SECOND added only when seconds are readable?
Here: h=2 m=34
